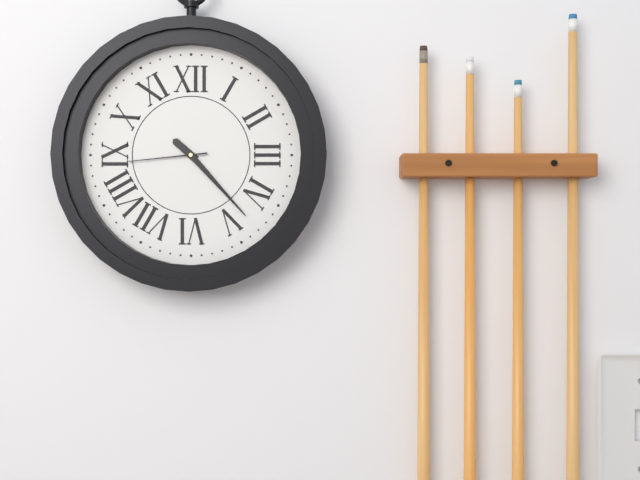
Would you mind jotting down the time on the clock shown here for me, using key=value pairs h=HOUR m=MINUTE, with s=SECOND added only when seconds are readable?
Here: h=10 m=23 s=44
